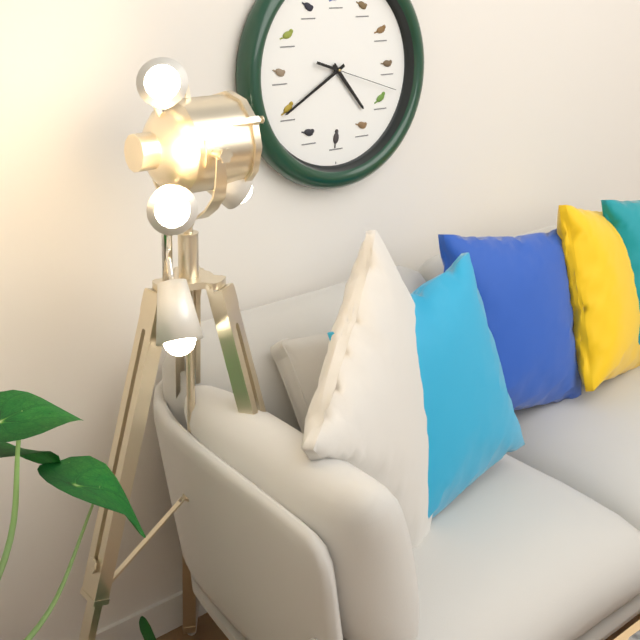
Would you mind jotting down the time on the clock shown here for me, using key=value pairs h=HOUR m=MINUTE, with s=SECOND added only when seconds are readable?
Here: h=4 m=40 s=18
